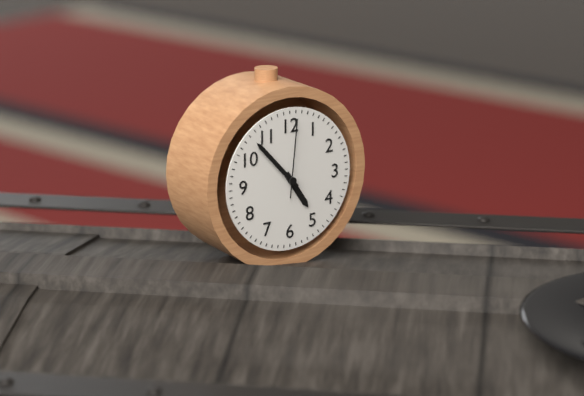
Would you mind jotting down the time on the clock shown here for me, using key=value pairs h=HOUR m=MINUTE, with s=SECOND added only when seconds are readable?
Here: h=4 m=53 s=1
